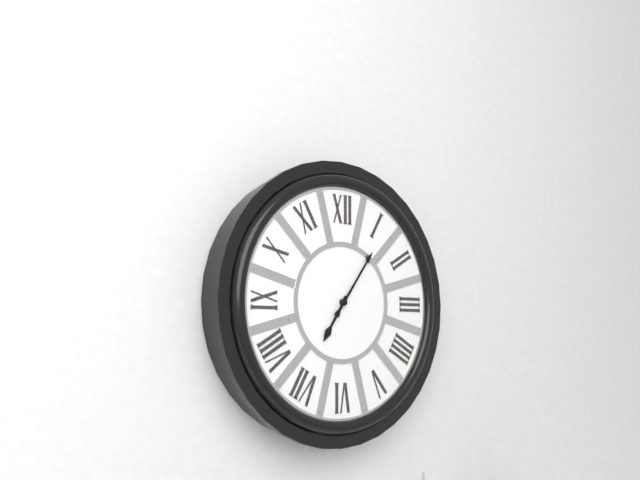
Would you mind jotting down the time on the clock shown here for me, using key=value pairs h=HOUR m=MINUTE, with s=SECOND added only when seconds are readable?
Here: h=7 m=6
